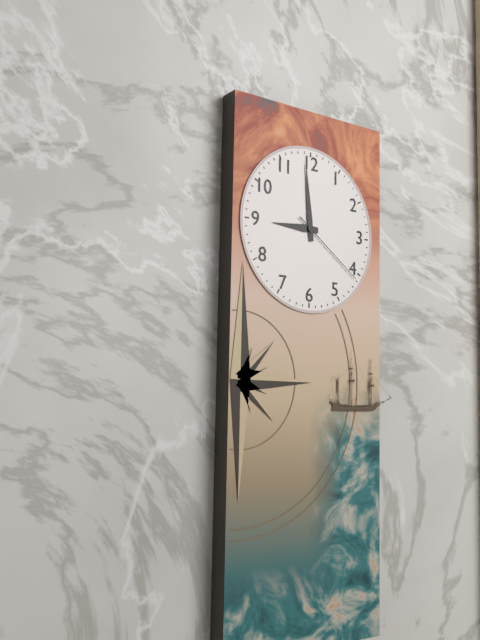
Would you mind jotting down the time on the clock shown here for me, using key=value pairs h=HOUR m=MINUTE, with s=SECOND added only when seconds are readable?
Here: h=8 m=59 s=21
